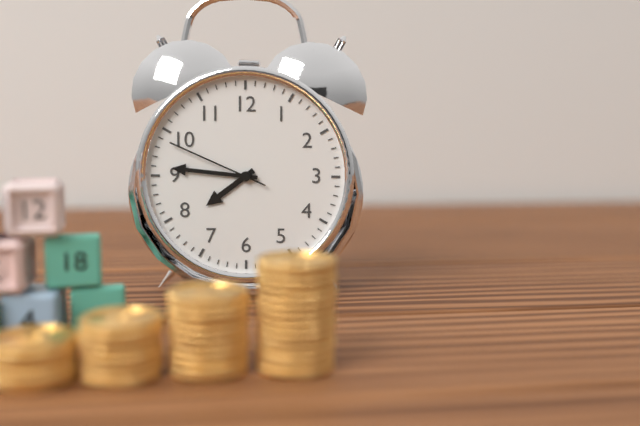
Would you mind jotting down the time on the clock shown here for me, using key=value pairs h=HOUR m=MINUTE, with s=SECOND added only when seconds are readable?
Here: h=7 m=46 s=49
